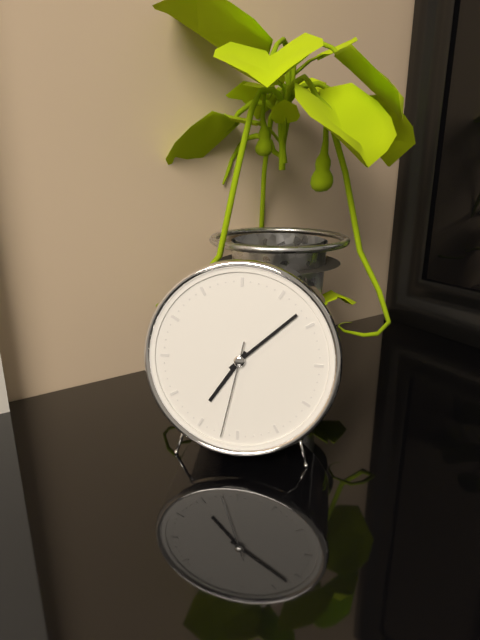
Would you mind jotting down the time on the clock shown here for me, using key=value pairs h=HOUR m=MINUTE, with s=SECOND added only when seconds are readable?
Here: h=7 m=8 s=32
